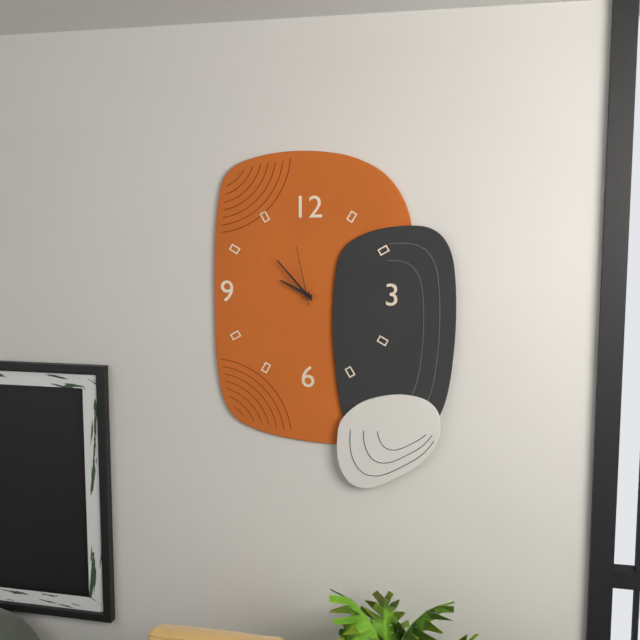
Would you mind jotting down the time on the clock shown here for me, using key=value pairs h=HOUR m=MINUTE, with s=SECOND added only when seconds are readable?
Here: h=9 m=53 s=58
